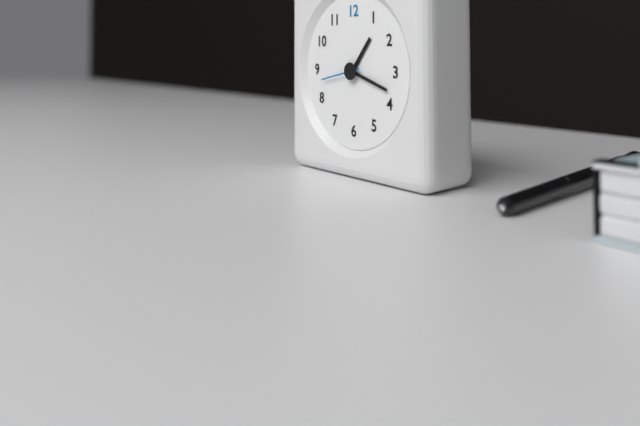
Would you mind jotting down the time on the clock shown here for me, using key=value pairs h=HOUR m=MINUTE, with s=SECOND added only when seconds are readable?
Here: h=1 m=18
